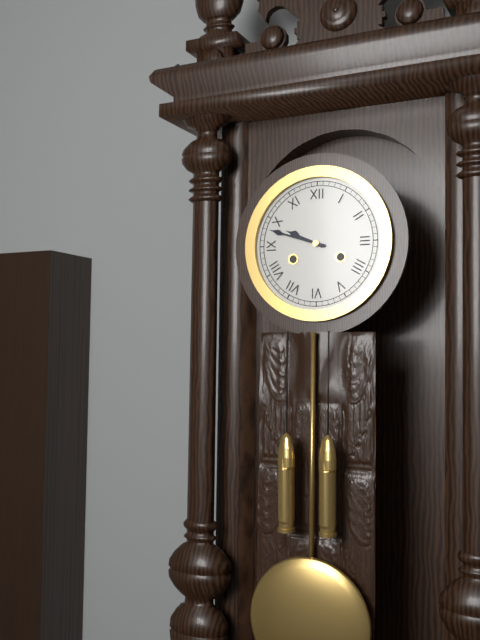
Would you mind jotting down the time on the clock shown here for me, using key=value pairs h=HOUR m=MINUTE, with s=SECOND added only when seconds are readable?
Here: h=9 m=48
